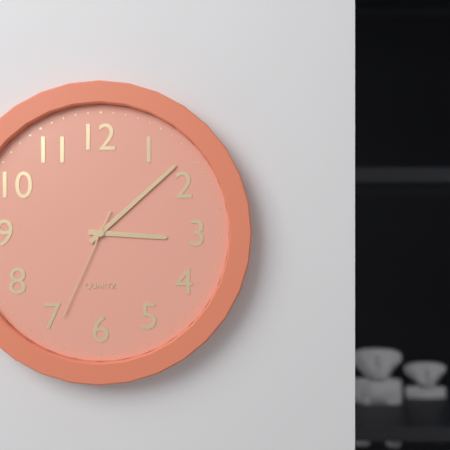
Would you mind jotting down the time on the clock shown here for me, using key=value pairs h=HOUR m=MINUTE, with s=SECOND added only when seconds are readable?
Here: h=3 m=8 s=34
